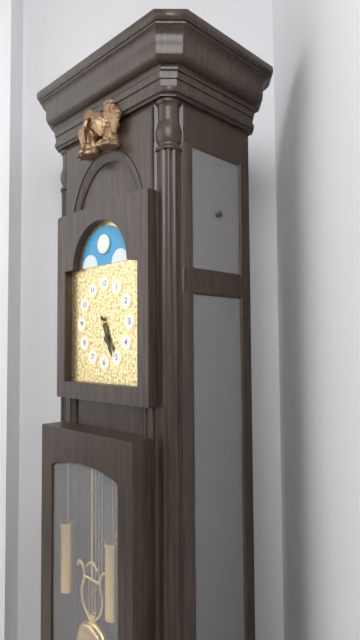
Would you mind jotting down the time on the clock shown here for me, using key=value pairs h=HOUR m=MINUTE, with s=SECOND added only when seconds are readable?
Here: h=5 m=26
